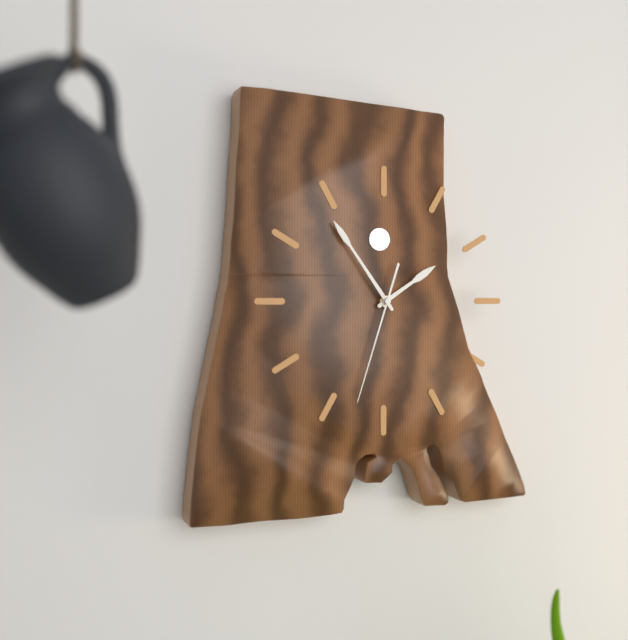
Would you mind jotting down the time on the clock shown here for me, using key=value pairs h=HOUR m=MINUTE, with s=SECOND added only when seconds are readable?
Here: h=1 m=54 s=33
